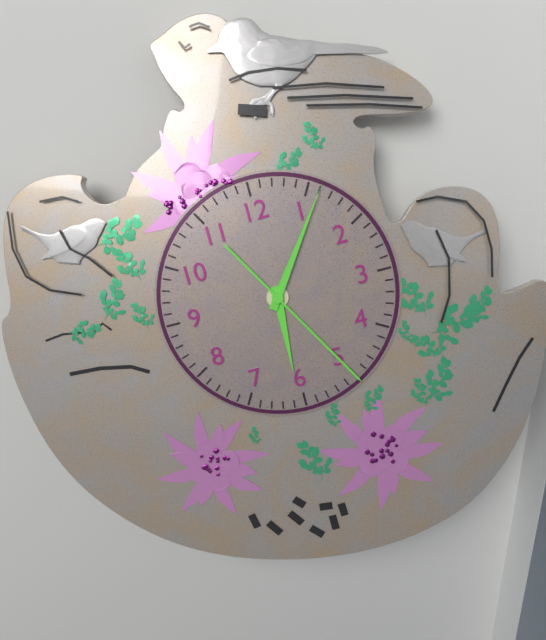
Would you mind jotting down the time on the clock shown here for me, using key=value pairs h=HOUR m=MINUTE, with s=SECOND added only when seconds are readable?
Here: h=6 m=6 s=25
